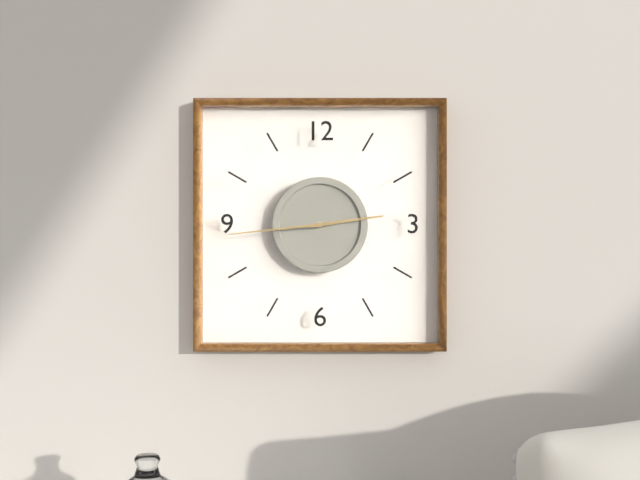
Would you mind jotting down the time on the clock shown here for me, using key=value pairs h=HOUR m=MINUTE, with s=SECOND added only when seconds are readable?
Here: h=2 m=44
